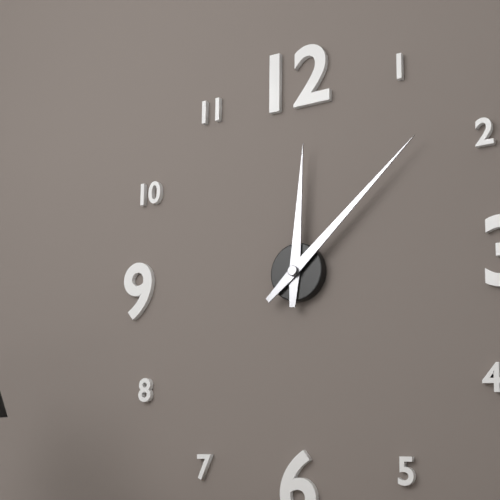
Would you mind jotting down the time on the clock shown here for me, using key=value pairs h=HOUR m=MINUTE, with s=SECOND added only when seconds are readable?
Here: h=12 m=8
